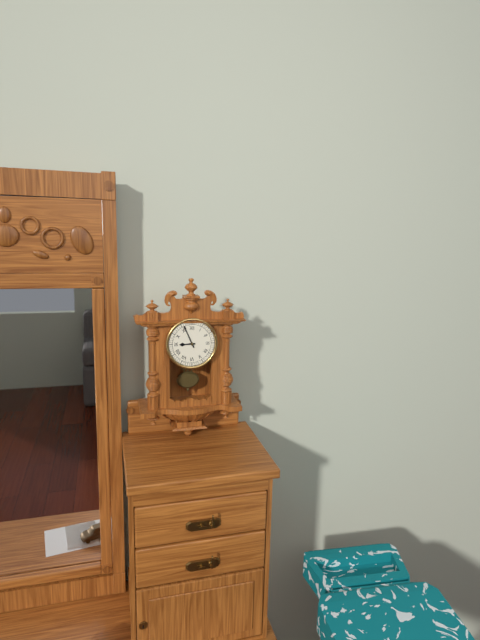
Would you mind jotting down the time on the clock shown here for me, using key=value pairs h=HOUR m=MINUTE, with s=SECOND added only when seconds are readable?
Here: h=8 m=56
